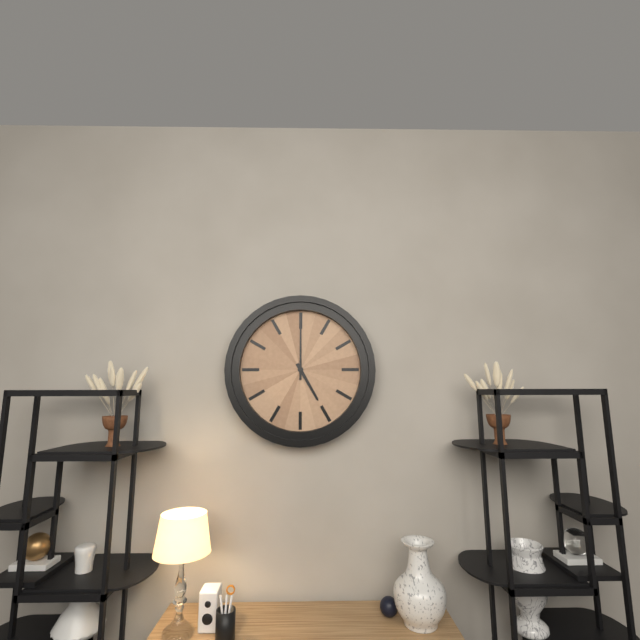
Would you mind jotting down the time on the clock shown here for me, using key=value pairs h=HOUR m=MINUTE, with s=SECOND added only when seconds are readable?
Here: h=5 m=0
